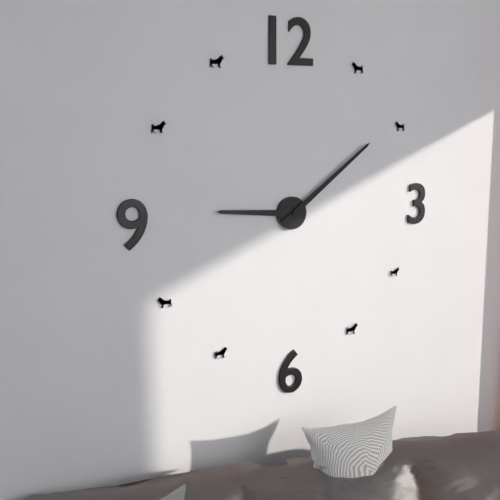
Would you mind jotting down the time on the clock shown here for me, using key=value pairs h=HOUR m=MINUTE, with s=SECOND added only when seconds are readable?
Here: h=9 m=9
